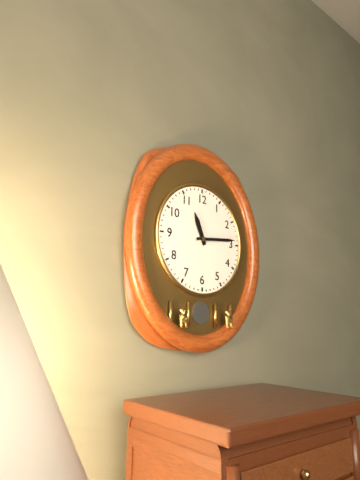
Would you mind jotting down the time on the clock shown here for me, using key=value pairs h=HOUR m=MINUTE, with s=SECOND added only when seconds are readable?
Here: h=11 m=14
